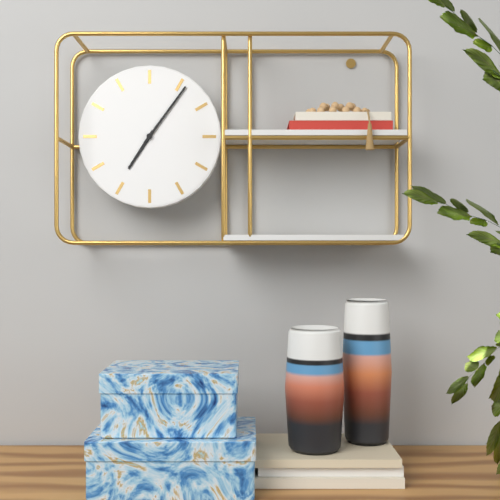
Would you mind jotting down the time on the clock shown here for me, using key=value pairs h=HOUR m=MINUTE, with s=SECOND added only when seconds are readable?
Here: h=7 m=6
